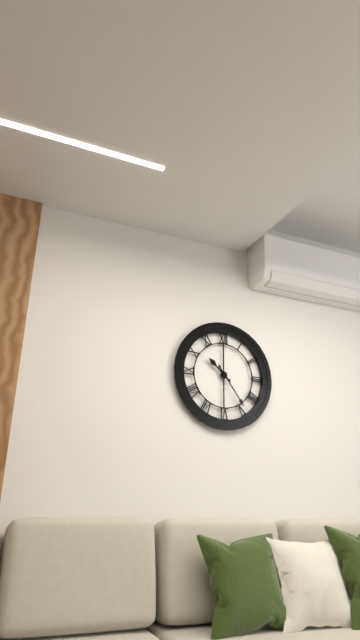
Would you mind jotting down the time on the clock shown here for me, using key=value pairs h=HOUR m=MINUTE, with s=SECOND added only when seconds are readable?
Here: h=10 m=24
